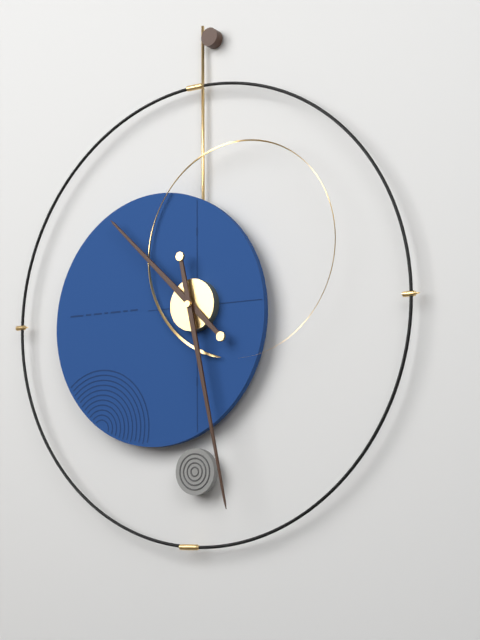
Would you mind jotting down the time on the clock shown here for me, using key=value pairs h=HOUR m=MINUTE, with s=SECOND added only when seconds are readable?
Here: h=10 m=28
